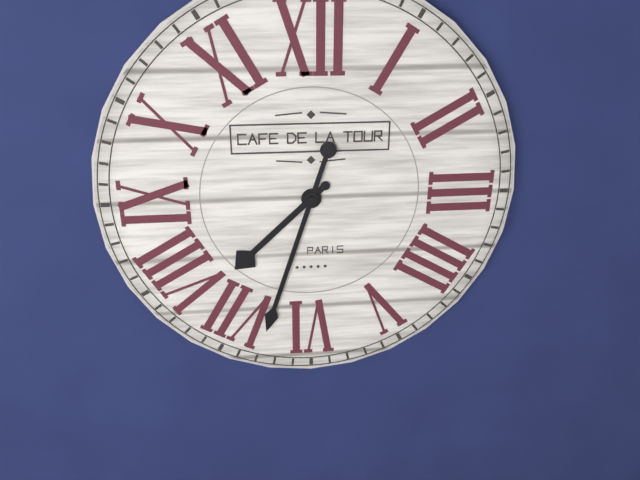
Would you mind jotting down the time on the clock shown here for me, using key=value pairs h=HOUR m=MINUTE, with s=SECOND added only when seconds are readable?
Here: h=7 m=33
